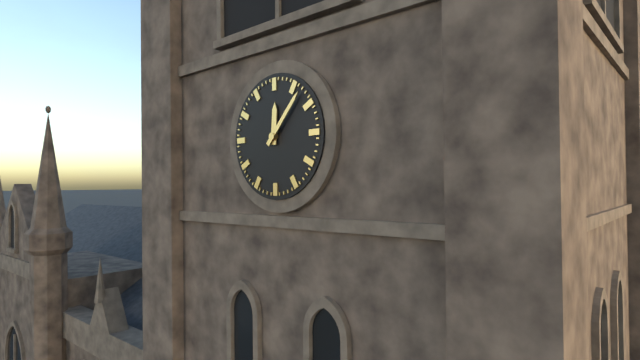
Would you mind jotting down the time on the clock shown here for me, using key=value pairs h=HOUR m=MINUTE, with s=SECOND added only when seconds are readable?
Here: h=12 m=7
